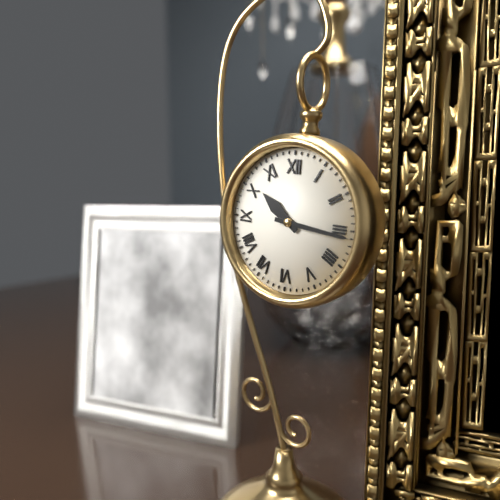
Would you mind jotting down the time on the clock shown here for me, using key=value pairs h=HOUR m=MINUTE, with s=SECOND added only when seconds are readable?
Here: h=10 m=16
